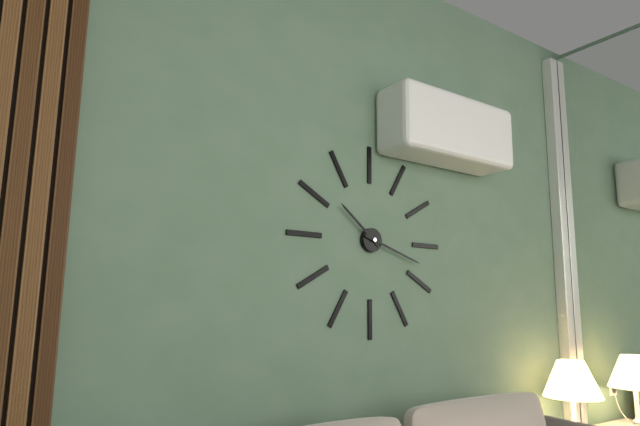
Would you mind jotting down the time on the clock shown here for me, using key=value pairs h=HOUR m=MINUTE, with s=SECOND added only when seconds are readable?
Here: h=10 m=18
